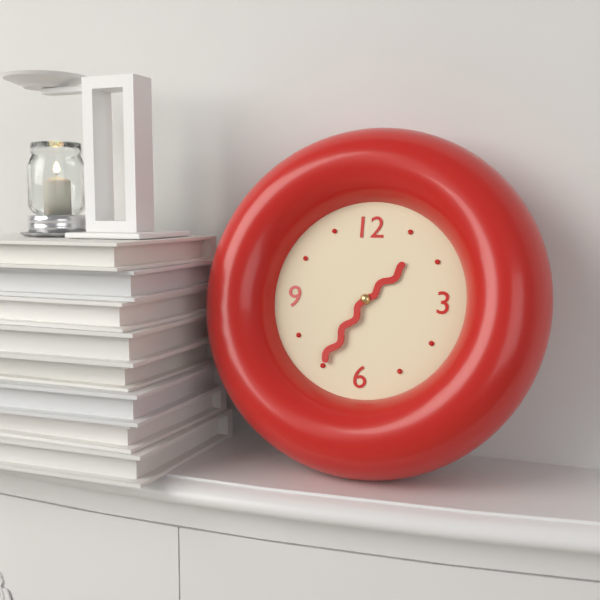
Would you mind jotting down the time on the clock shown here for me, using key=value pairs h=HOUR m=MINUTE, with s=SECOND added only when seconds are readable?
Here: h=1 m=35
